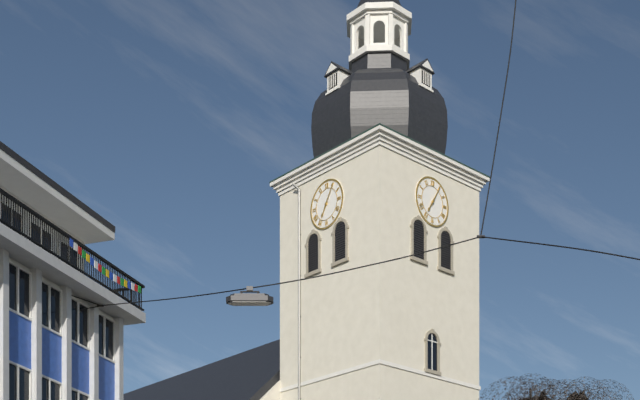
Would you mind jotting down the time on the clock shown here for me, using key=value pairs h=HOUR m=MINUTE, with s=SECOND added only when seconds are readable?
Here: h=7 m=5
